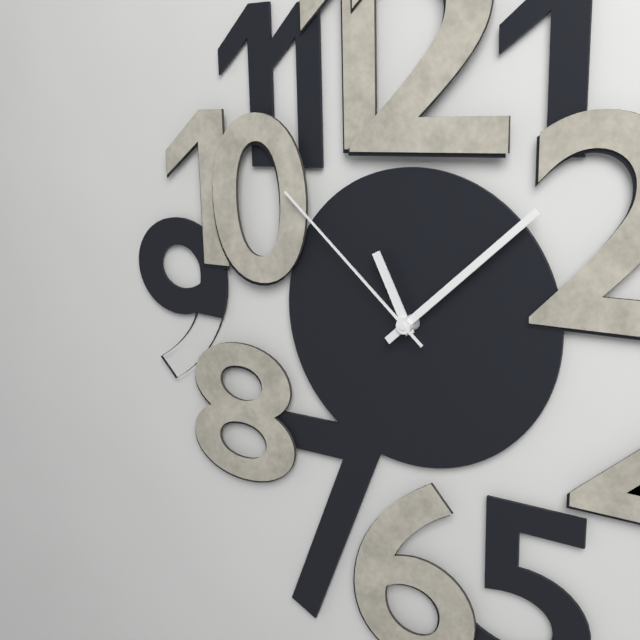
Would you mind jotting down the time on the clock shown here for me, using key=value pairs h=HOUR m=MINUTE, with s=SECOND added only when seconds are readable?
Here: h=11 m=8 s=52
